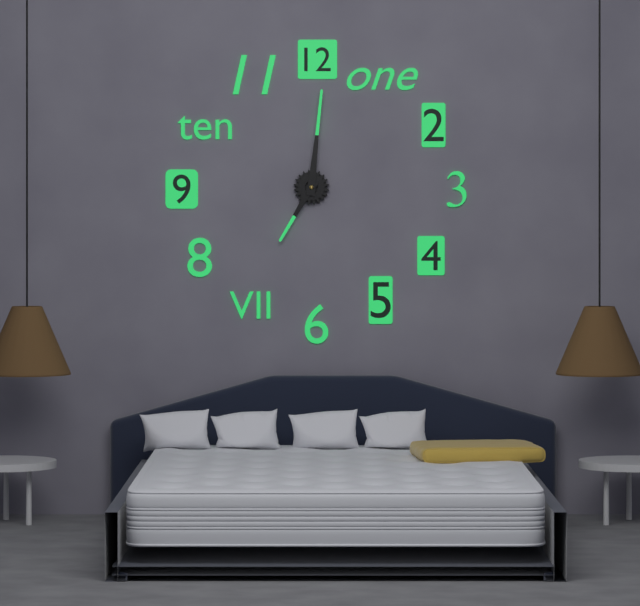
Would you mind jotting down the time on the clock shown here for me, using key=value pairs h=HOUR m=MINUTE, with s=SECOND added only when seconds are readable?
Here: h=7 m=1
